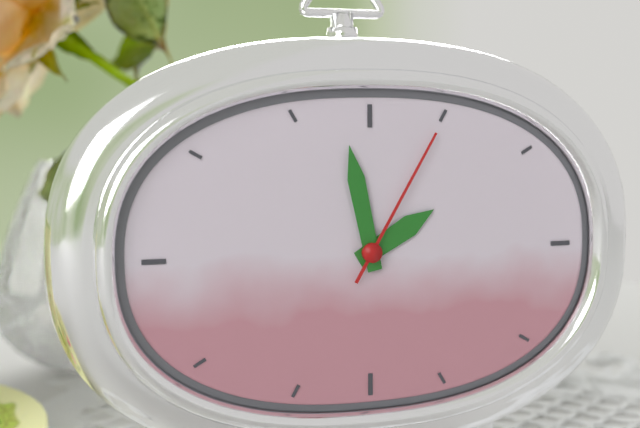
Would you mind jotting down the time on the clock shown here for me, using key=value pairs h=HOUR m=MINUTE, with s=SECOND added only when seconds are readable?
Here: h=1 m=58 s=5
